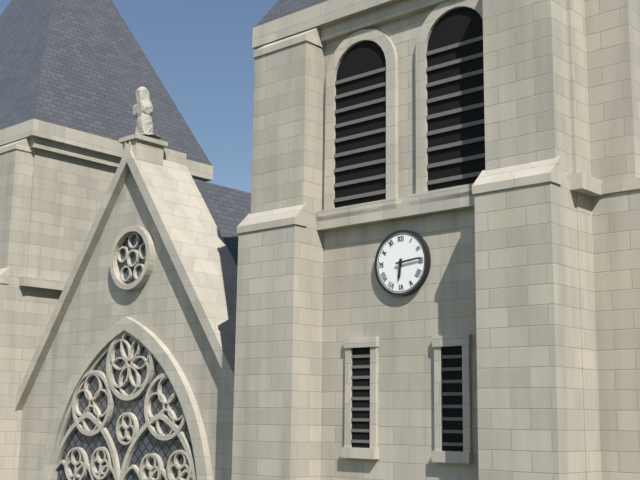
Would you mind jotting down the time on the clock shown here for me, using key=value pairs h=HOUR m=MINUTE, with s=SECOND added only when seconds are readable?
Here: h=6 m=14
